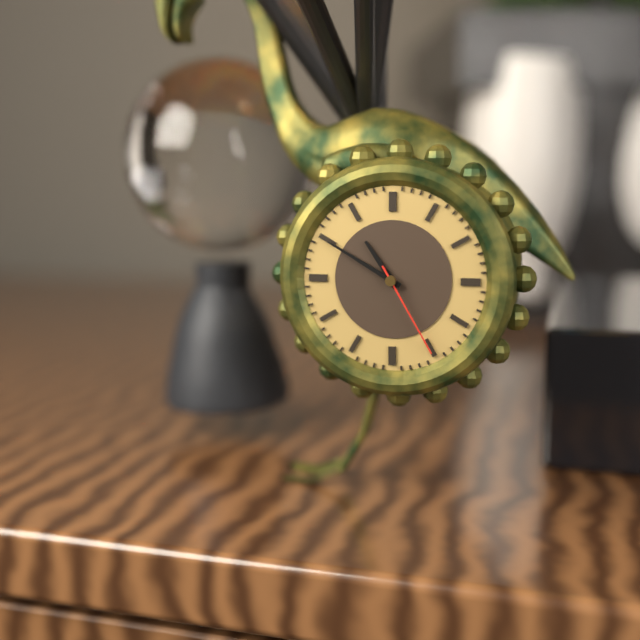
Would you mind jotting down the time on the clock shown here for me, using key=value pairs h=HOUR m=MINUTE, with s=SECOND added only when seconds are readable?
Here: h=10 m=50 s=25
